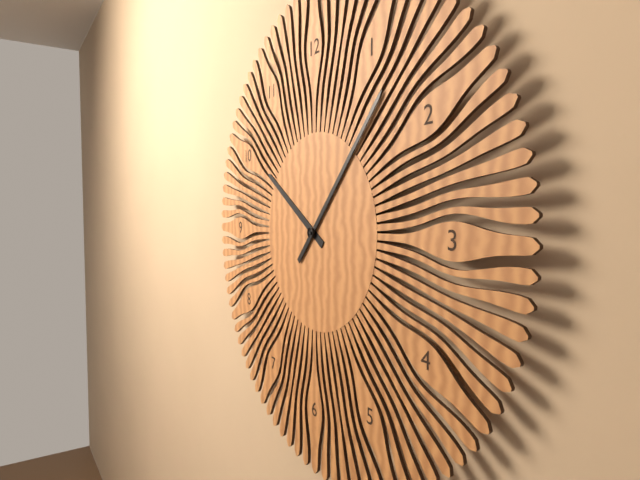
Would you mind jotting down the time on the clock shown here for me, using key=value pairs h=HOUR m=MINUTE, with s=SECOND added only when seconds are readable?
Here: h=10 m=7
